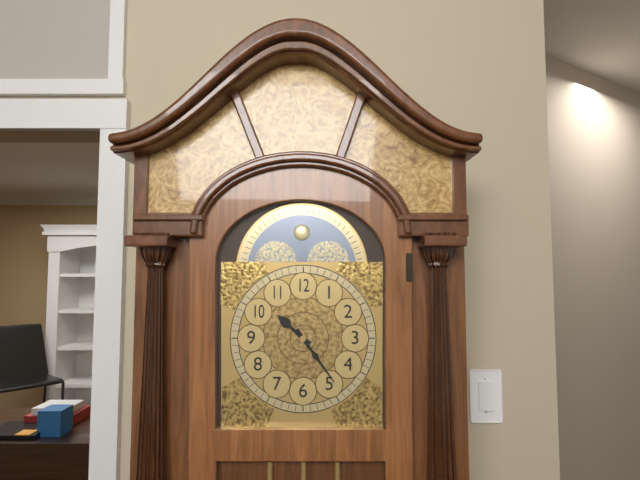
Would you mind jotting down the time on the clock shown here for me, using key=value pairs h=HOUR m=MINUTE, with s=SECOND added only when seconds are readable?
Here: h=10 m=24
